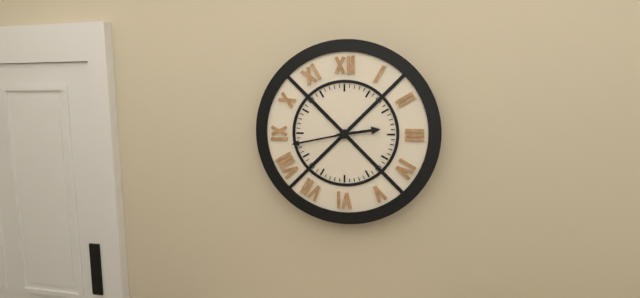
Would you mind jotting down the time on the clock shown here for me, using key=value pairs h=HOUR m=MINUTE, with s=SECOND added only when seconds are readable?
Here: h=2 m=43
